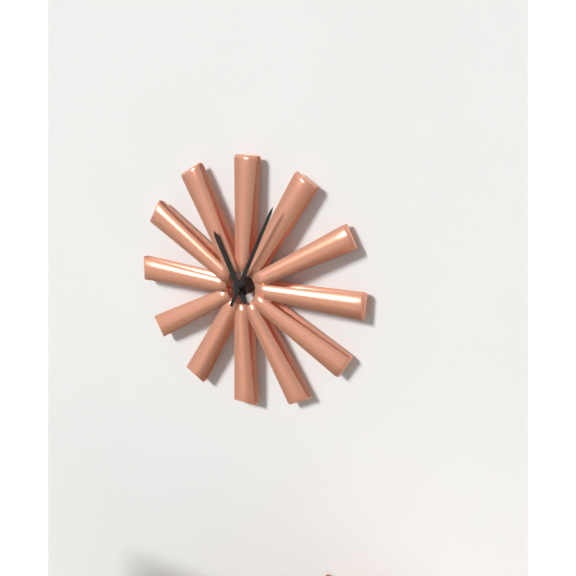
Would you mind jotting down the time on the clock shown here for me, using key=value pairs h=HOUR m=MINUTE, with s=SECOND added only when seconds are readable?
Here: h=11 m=4
